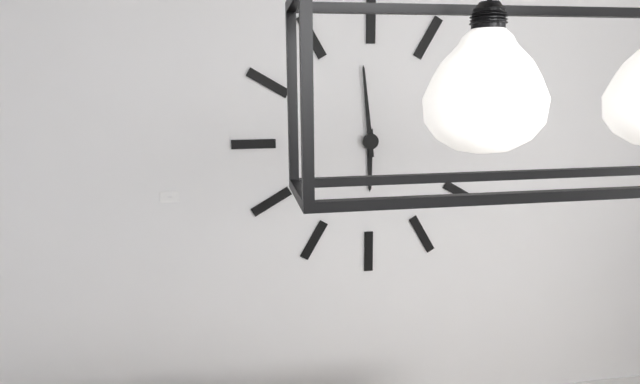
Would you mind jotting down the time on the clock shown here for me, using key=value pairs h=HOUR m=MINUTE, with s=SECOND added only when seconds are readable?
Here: h=5 m=59
